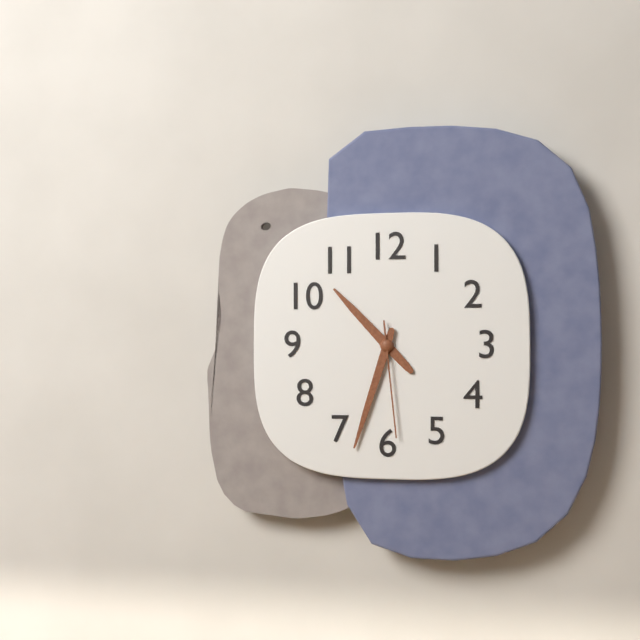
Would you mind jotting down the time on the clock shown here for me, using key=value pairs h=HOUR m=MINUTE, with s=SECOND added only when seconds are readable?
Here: h=10 m=33 s=29
